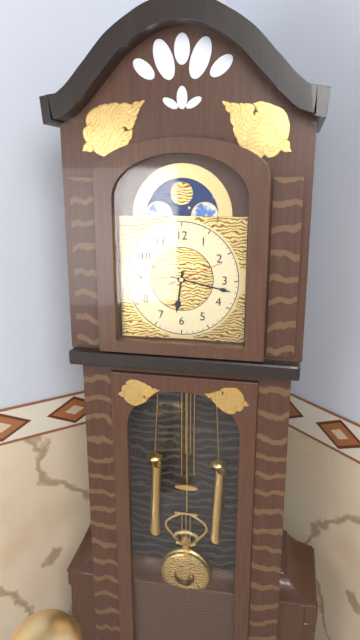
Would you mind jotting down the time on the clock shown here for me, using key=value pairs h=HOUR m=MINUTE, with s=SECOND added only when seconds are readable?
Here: h=6 m=17 s=11
